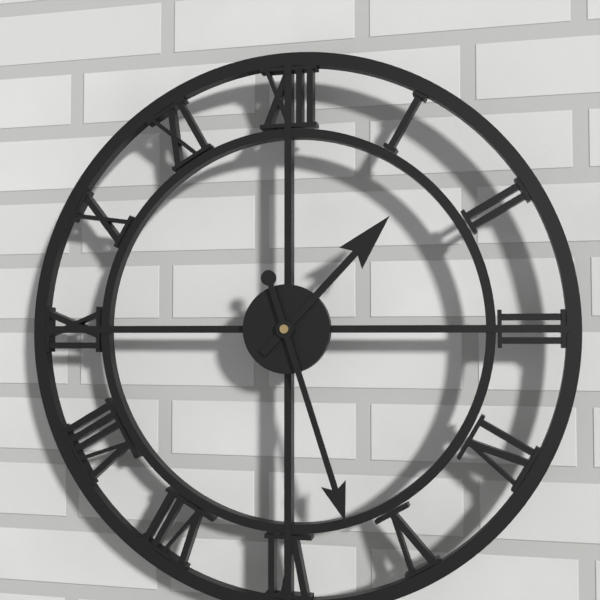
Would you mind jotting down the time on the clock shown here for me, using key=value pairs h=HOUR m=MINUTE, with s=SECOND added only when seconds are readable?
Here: h=1 m=27
